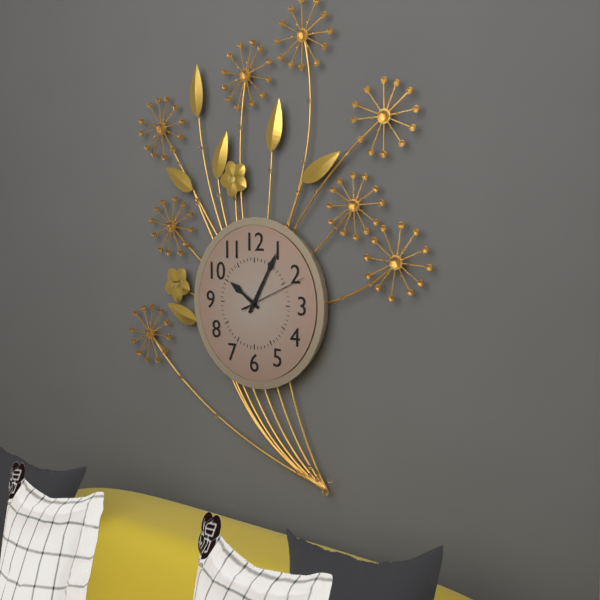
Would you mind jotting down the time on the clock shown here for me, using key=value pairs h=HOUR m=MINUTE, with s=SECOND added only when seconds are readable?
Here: h=10 m=5 s=11
